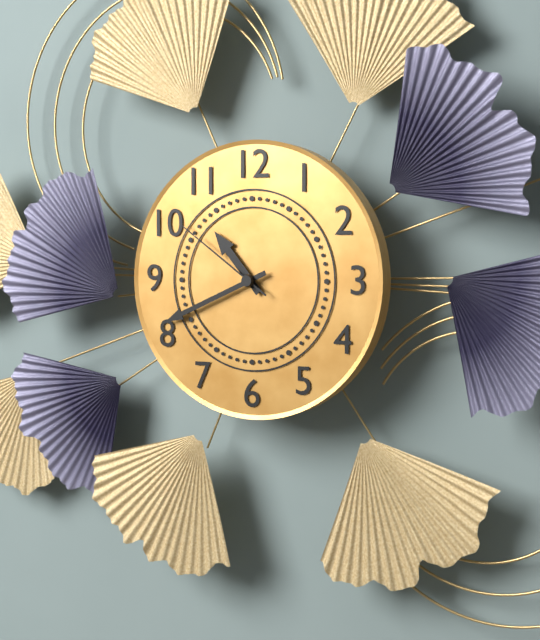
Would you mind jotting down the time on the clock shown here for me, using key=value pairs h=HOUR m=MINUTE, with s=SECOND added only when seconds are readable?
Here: h=10 m=41 s=51
